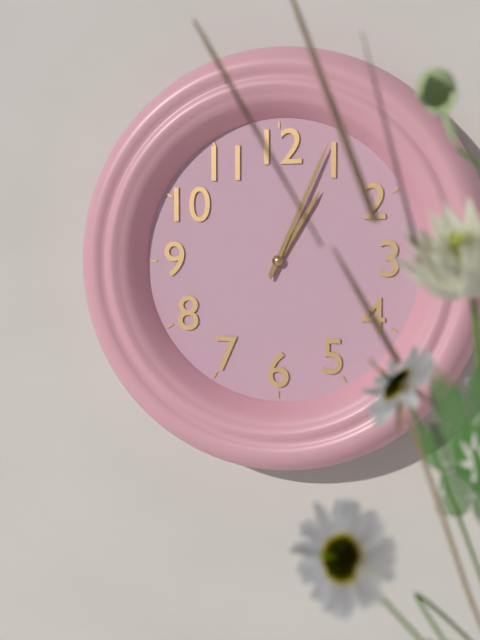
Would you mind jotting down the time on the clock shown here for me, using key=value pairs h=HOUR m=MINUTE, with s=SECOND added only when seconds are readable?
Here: h=1 m=4
